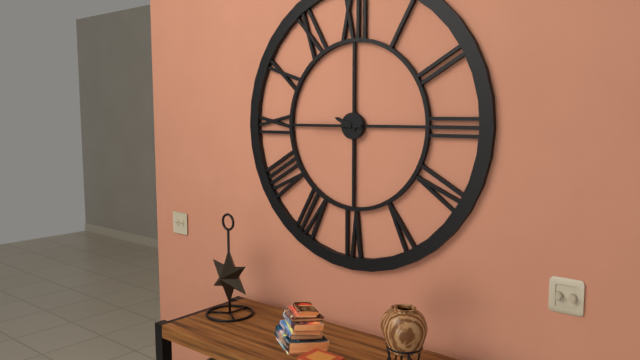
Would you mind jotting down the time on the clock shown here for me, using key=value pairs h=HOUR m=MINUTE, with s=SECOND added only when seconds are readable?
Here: h=9 m=45
